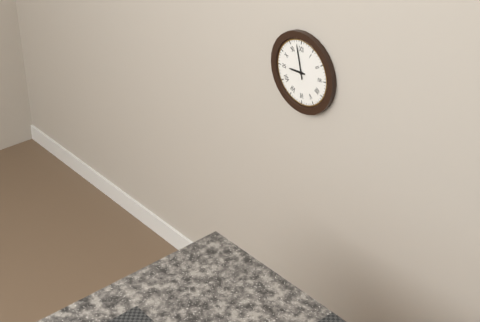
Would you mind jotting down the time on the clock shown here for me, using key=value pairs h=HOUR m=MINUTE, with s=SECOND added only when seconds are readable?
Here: h=8 m=58
